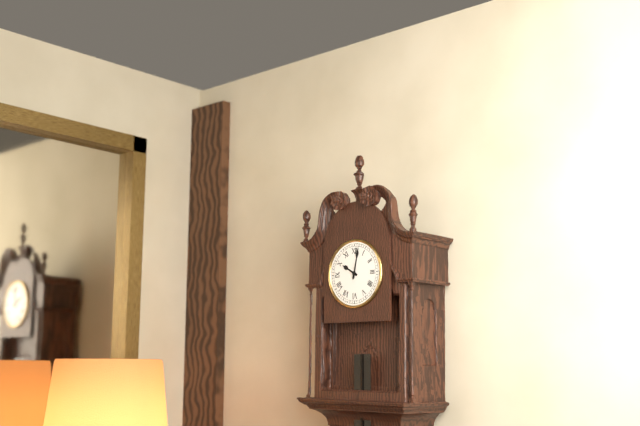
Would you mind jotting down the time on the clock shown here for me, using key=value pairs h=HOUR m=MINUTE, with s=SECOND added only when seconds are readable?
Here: h=10 m=2
